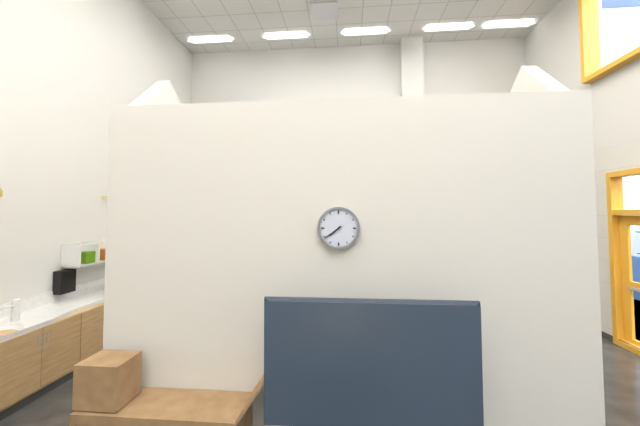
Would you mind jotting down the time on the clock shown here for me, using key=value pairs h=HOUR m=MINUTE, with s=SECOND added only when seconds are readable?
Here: h=7 m=39
